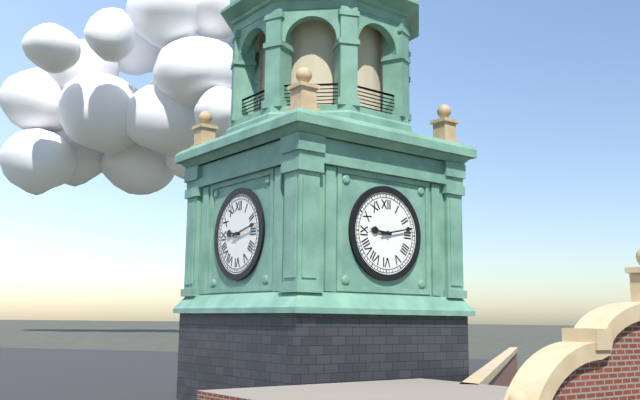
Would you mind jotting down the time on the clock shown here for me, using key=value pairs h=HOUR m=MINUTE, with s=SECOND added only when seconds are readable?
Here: h=9 m=13
